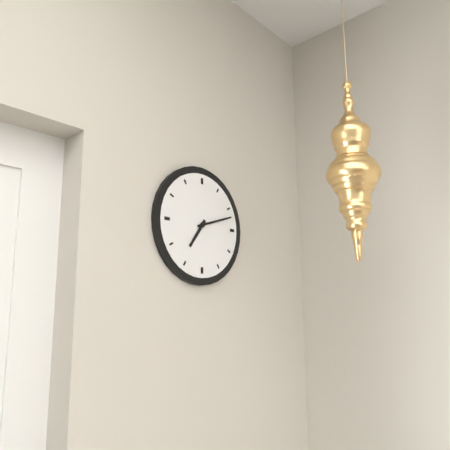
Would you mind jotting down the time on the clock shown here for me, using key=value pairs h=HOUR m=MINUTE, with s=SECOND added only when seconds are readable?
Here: h=7 m=12
